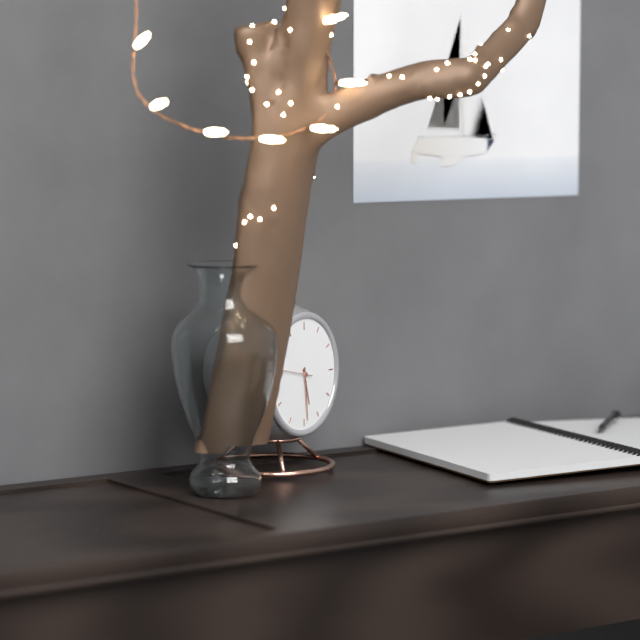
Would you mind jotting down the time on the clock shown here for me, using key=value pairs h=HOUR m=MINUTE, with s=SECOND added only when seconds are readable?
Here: h=5 m=29
